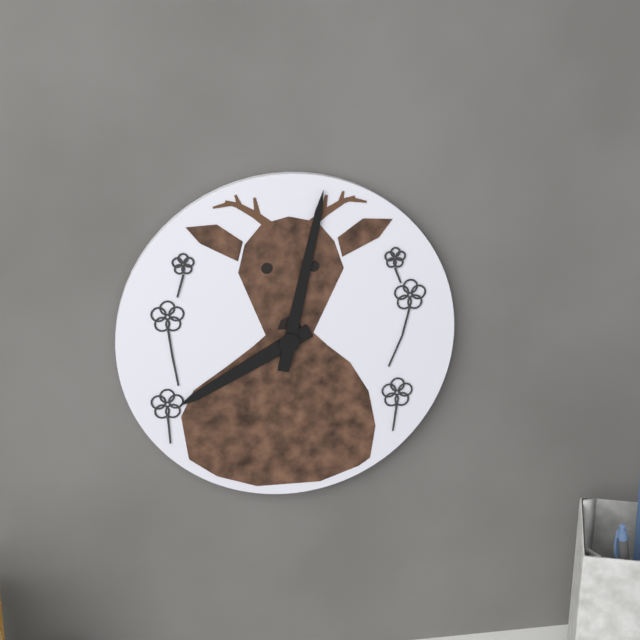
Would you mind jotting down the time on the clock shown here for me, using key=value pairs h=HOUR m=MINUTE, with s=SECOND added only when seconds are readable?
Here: h=8 m=2
